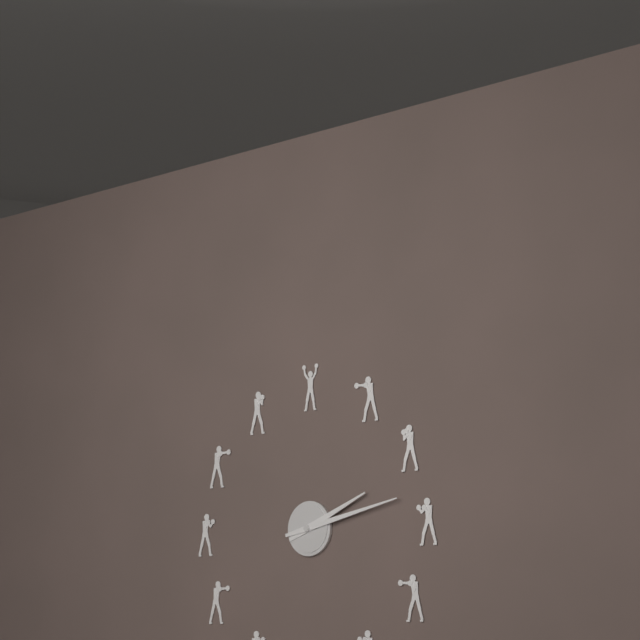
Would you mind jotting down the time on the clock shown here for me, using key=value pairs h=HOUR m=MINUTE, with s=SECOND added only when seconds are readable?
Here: h=2 m=13
